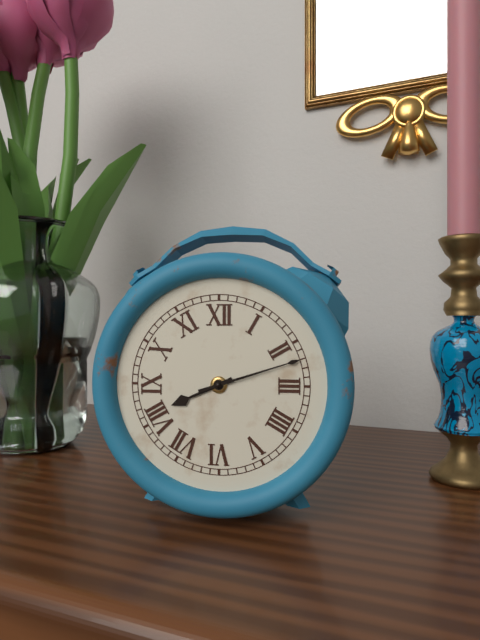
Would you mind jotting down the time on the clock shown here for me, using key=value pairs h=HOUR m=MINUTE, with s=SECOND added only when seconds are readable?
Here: h=8 m=12
